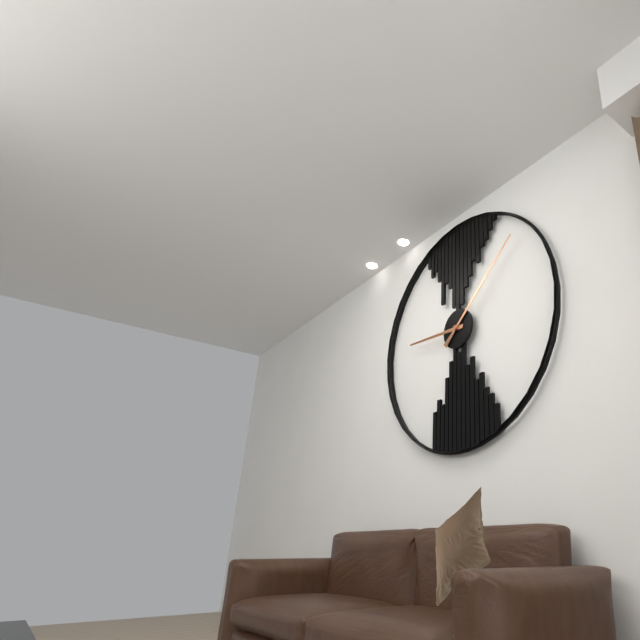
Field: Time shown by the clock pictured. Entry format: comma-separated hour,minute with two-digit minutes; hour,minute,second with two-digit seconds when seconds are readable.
9,08
